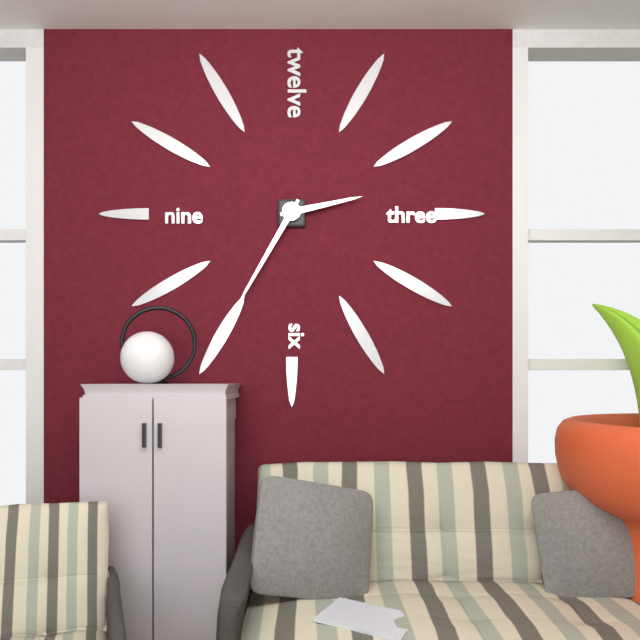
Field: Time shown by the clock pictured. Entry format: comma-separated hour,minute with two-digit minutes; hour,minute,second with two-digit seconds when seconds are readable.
2,35
